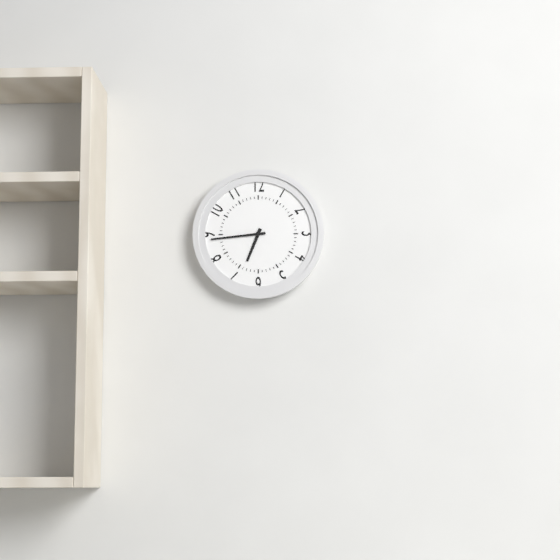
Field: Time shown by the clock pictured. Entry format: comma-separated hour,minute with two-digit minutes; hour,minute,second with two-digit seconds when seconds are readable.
6,44
